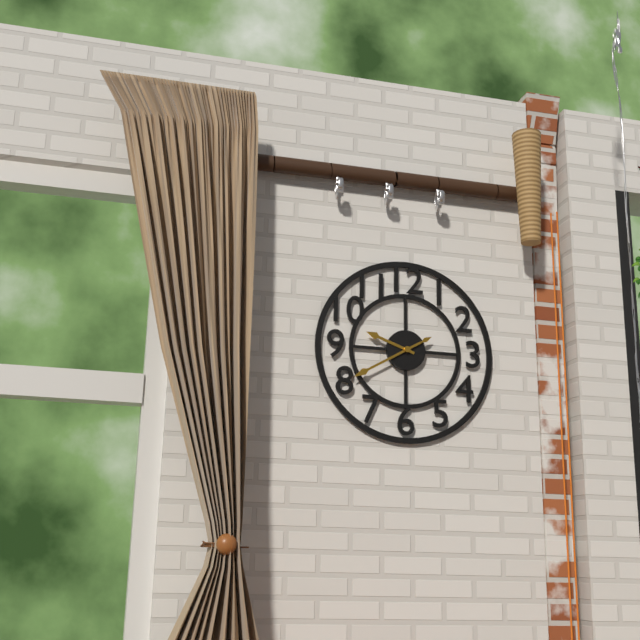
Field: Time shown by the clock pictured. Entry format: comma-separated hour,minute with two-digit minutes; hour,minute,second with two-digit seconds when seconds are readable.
9,40
